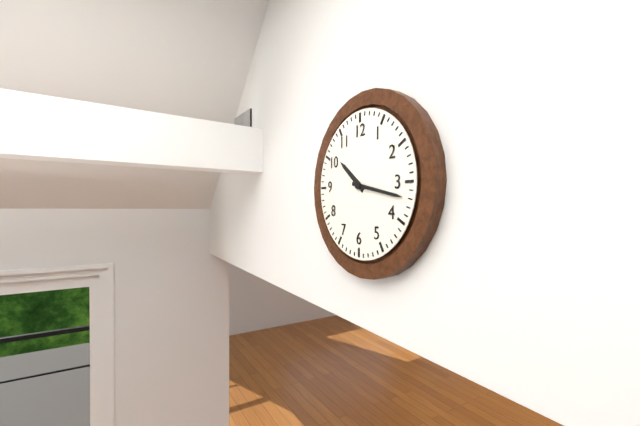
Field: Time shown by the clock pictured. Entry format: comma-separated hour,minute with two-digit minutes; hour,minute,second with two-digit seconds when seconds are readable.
10,17
